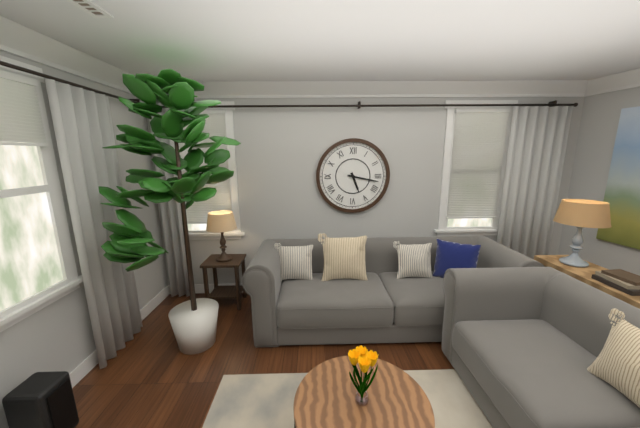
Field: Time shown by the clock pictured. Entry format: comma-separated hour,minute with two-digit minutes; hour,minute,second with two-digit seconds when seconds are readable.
5,17
